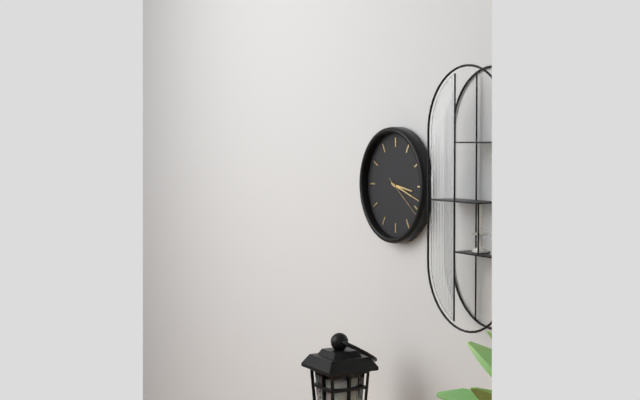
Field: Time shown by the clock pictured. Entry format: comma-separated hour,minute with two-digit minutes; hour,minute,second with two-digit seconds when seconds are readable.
3,18
